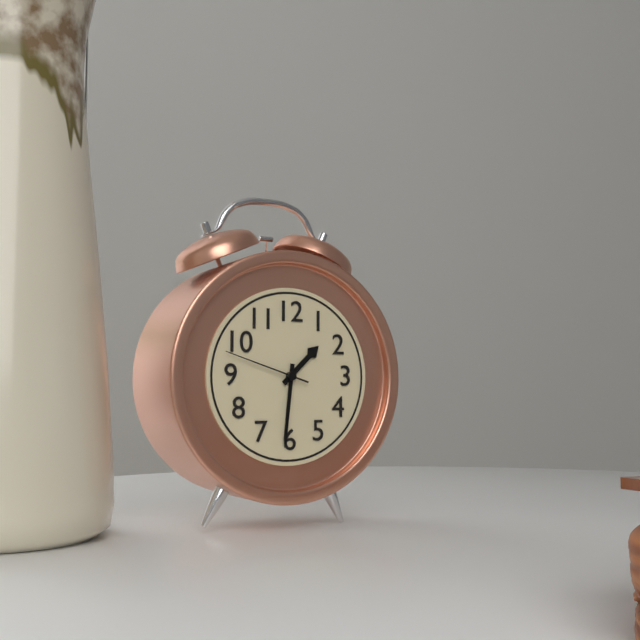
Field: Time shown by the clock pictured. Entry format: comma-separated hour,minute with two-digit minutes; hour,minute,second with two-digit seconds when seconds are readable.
1,31,48
